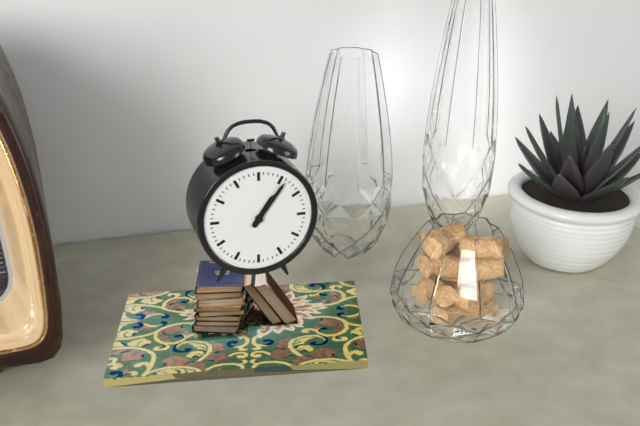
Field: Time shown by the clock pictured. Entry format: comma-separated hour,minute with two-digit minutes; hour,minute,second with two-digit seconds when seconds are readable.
1,06
